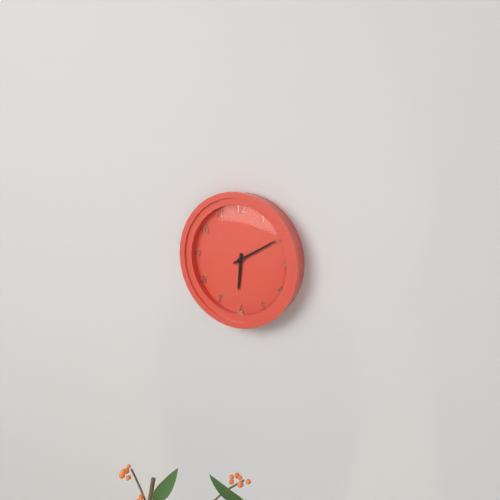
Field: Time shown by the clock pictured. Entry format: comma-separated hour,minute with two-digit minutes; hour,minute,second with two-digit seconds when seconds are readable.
6,10
